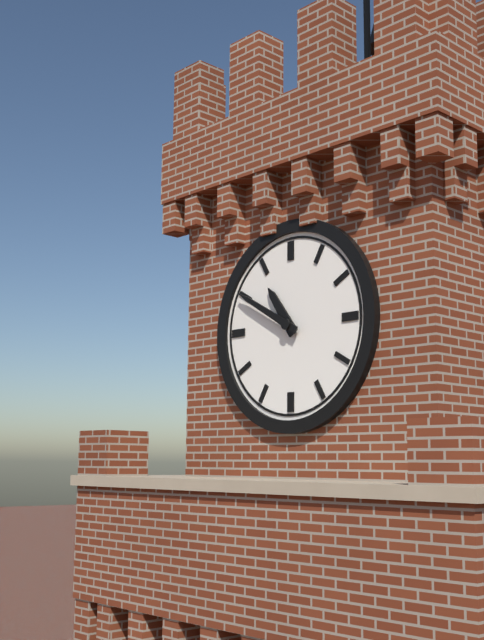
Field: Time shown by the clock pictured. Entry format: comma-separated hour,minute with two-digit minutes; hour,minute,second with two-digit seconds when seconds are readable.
10,50
